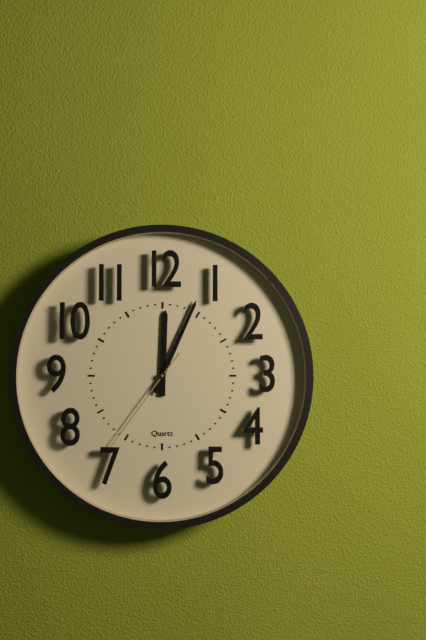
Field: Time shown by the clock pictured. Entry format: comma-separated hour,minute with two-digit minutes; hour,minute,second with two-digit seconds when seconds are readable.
12,04,36
